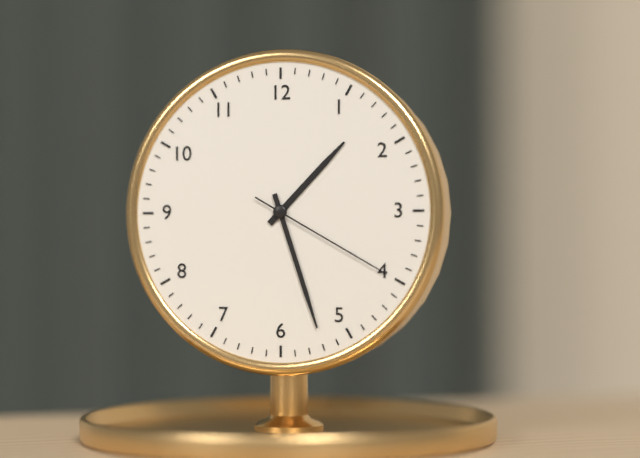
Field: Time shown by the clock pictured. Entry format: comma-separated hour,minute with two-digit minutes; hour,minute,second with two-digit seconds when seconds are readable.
1,27,20
